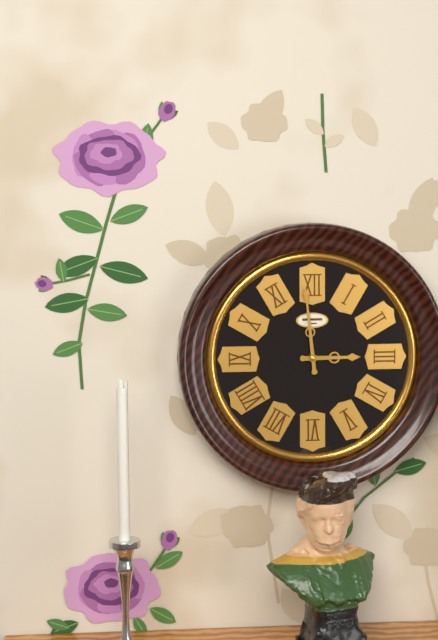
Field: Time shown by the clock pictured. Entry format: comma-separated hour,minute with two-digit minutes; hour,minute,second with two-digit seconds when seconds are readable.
2,59
